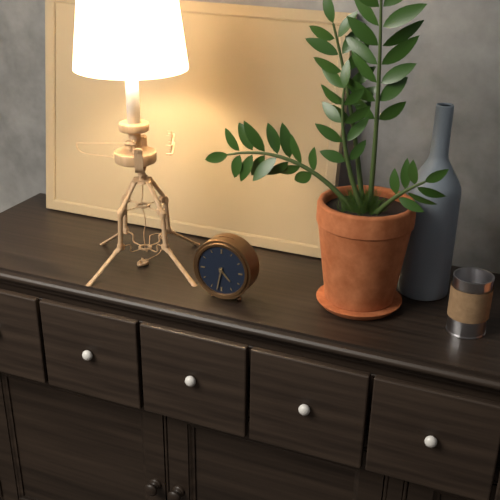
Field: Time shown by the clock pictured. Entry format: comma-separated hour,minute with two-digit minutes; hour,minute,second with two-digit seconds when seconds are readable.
4,32
